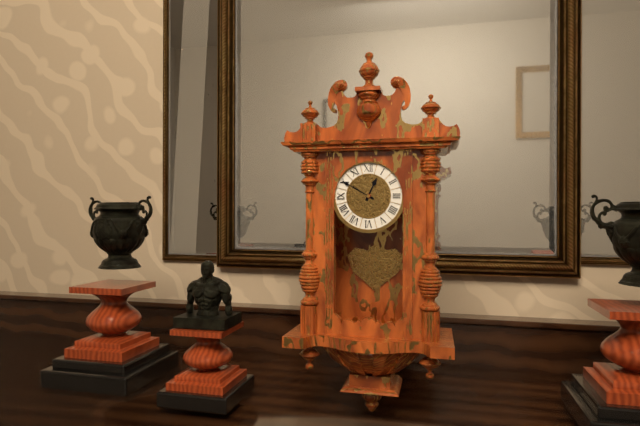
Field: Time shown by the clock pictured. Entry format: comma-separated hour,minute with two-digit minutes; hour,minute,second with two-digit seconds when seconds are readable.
12,50
